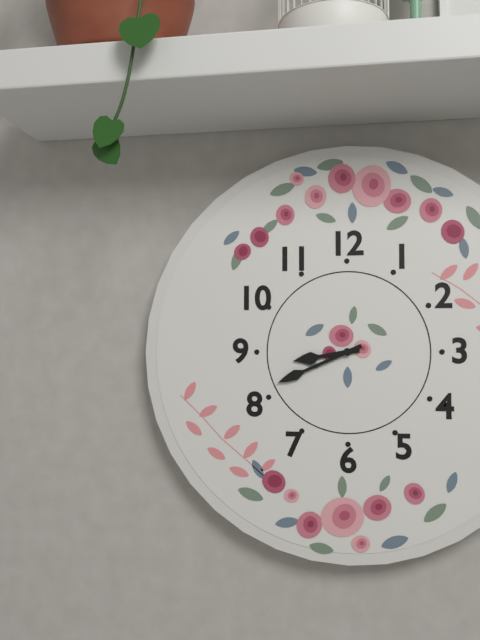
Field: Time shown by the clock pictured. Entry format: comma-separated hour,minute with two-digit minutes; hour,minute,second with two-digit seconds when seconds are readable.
8,41
